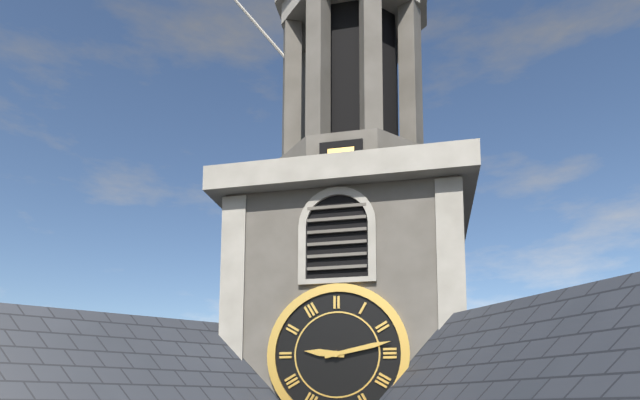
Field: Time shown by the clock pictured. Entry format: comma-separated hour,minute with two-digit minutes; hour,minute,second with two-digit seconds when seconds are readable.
9,13
